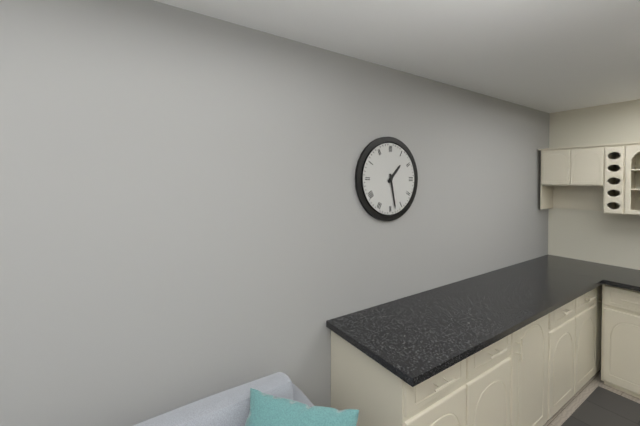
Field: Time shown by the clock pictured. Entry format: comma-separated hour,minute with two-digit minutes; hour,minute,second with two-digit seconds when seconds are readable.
1,28
